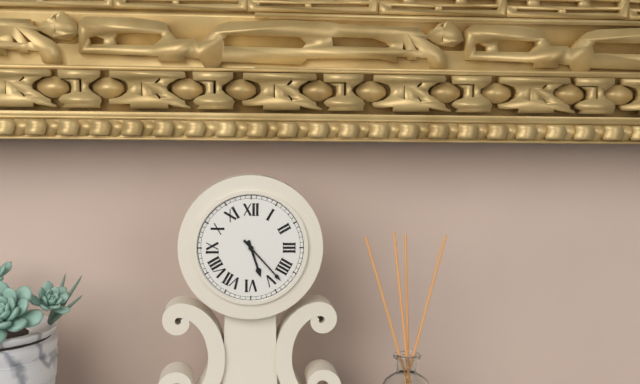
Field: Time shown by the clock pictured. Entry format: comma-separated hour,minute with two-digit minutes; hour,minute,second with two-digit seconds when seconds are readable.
5,23
